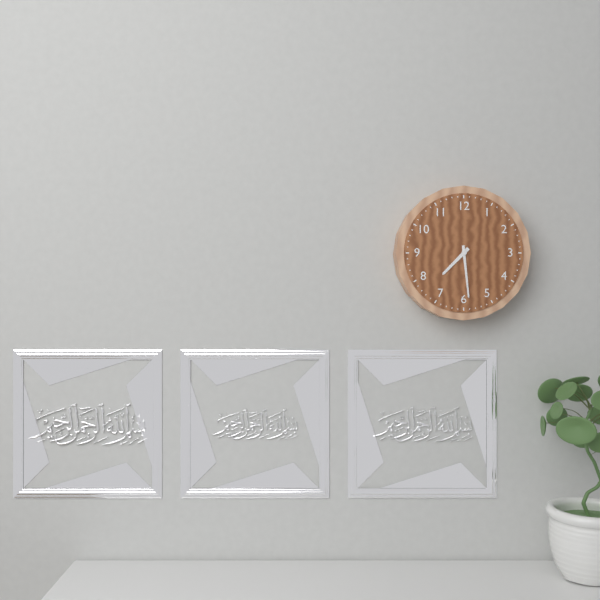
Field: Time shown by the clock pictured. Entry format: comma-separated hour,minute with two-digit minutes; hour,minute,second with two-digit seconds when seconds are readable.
7,29
